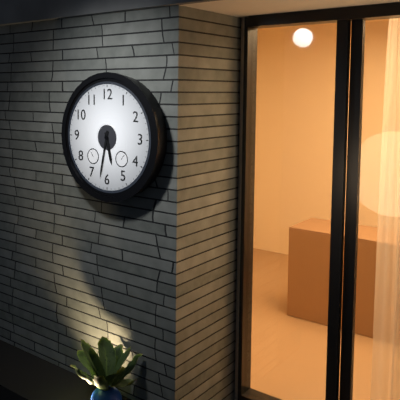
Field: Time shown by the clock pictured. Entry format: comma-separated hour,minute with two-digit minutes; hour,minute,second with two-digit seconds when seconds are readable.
5,32
